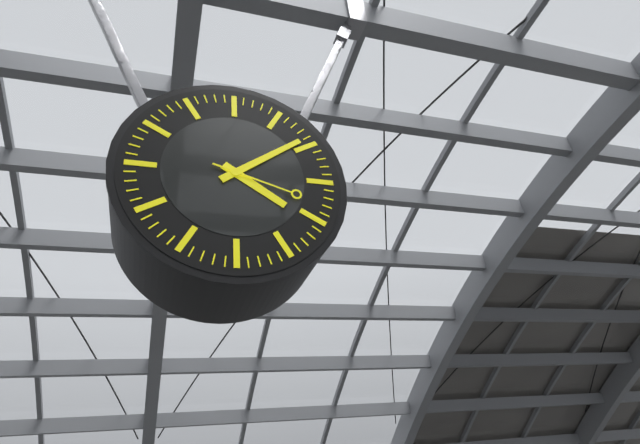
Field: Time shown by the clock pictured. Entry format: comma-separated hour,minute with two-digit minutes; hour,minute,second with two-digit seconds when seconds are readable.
4,09,18
